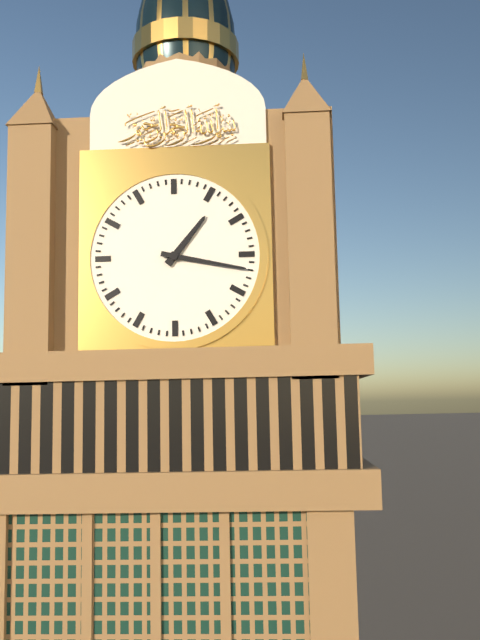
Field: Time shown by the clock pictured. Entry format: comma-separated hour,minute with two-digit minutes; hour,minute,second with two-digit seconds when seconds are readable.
1,17
